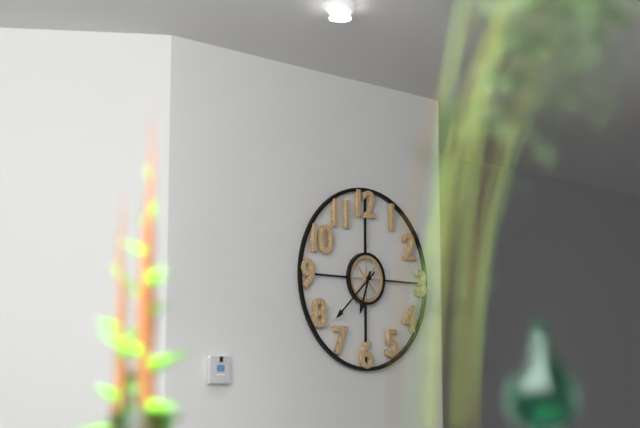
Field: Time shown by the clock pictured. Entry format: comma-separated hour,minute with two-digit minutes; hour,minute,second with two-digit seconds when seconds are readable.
6,38
